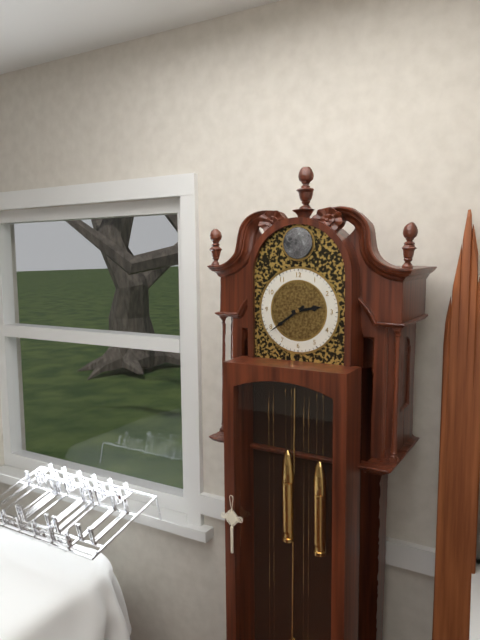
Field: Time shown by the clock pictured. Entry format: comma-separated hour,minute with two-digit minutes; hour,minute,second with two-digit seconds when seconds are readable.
2,39
